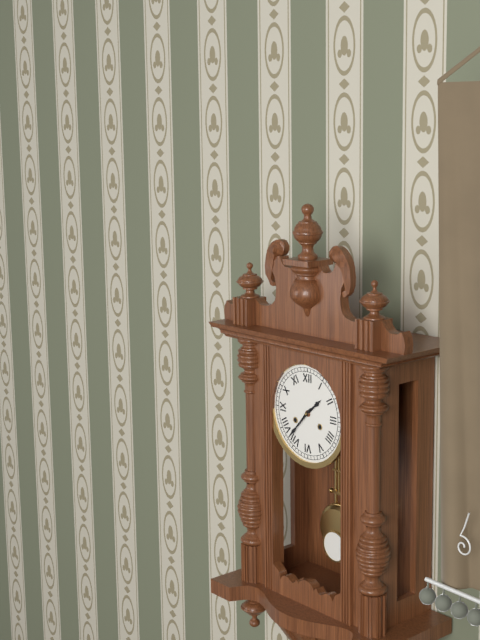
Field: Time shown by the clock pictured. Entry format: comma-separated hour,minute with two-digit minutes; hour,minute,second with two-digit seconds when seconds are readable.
1,37
